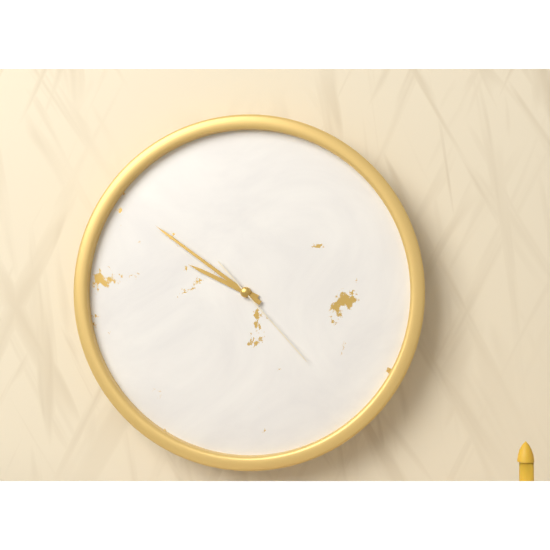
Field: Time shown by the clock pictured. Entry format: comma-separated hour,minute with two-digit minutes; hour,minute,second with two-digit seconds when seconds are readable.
9,51,23
